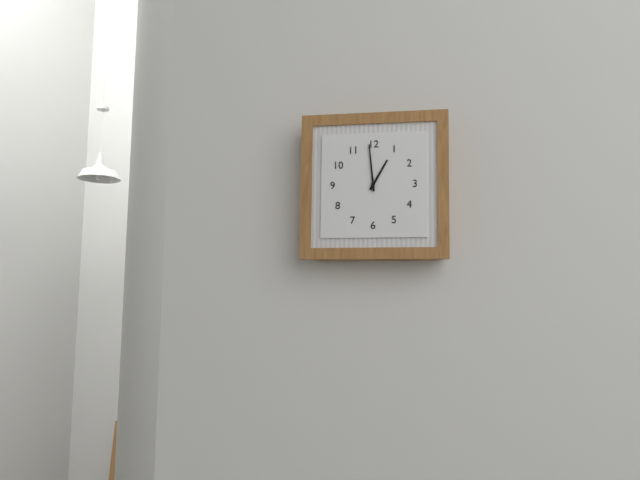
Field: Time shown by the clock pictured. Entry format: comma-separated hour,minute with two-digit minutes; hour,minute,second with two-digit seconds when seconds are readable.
12,59
